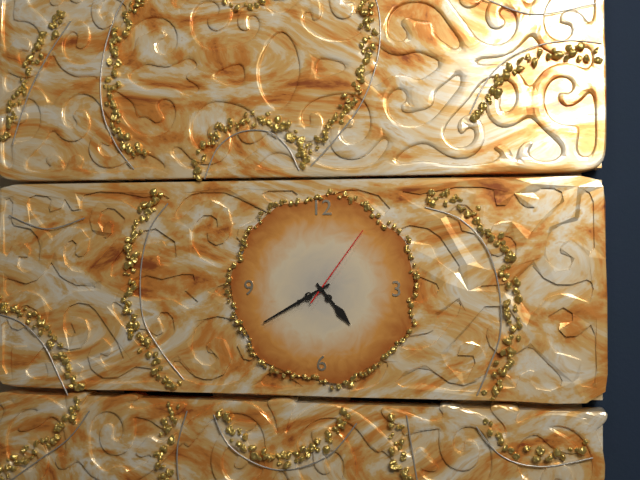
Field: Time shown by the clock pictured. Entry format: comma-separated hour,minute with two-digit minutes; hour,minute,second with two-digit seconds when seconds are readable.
4,40,06
